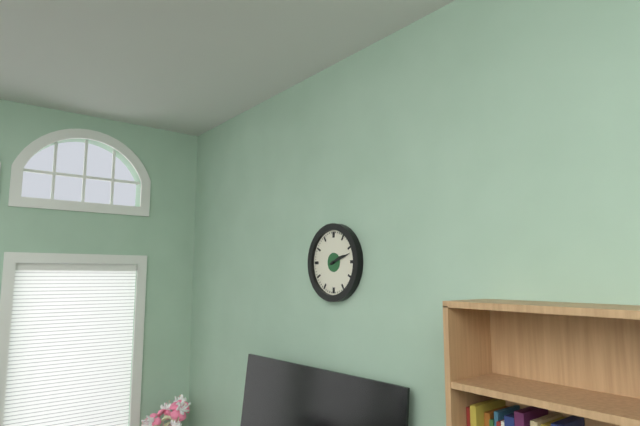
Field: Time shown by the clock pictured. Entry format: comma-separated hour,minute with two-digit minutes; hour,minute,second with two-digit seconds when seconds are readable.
2,12
